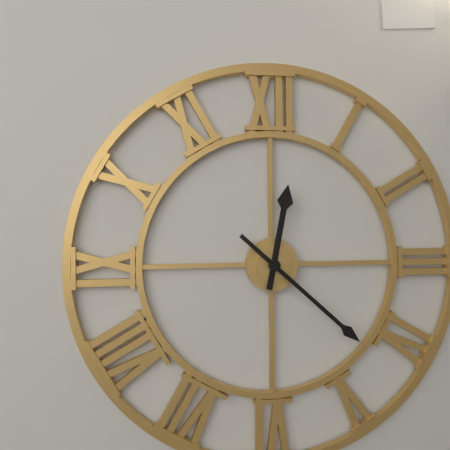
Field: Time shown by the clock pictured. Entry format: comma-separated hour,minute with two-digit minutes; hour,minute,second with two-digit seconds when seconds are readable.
12,22
